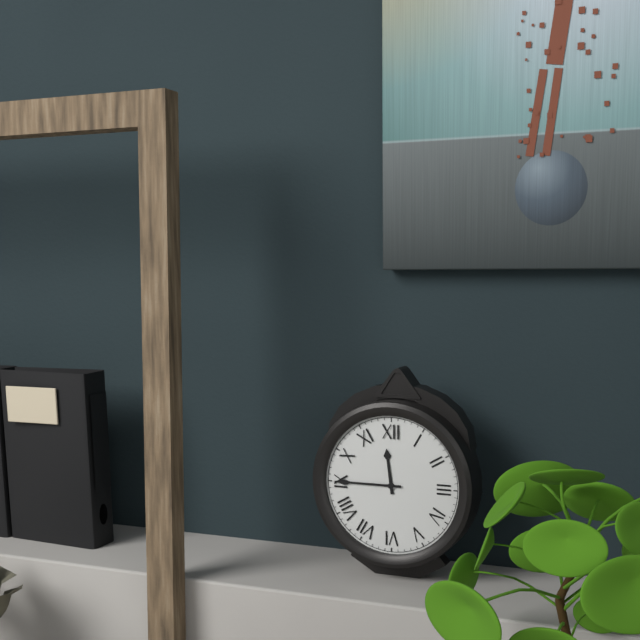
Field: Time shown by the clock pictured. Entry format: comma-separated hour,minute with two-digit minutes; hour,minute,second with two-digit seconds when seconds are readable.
11,45
